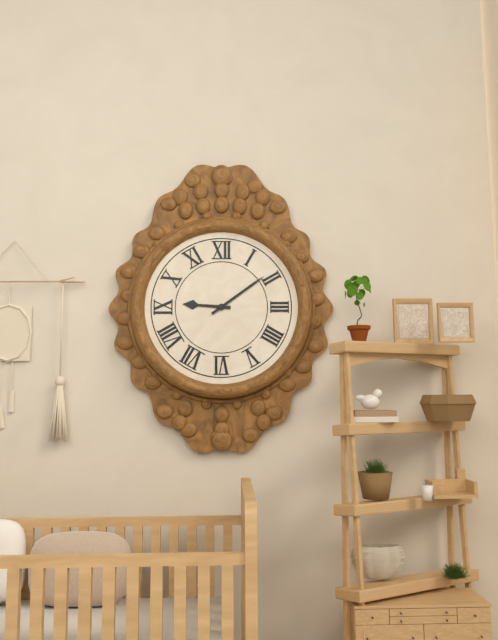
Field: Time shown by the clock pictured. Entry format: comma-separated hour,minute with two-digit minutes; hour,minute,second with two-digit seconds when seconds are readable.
9,09
